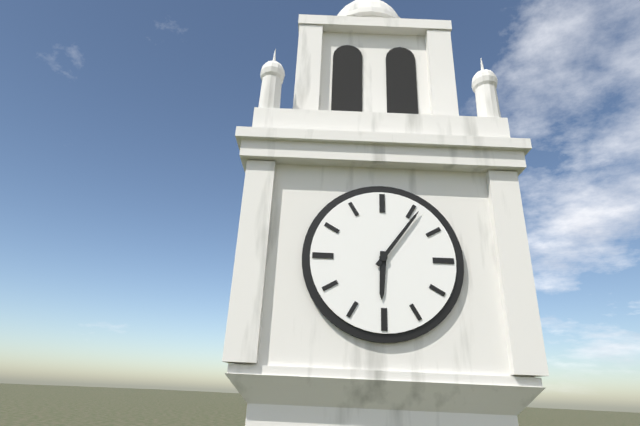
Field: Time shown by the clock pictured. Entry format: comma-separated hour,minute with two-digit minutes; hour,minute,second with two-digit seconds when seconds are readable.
6,06
